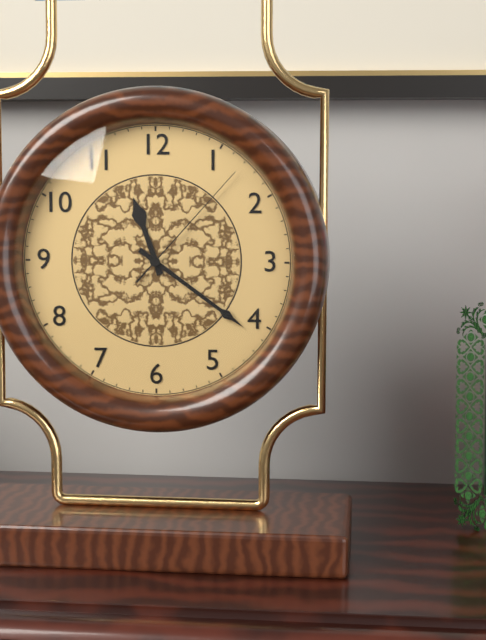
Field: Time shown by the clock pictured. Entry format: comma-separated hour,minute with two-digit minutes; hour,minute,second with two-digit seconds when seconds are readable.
11,21,07
